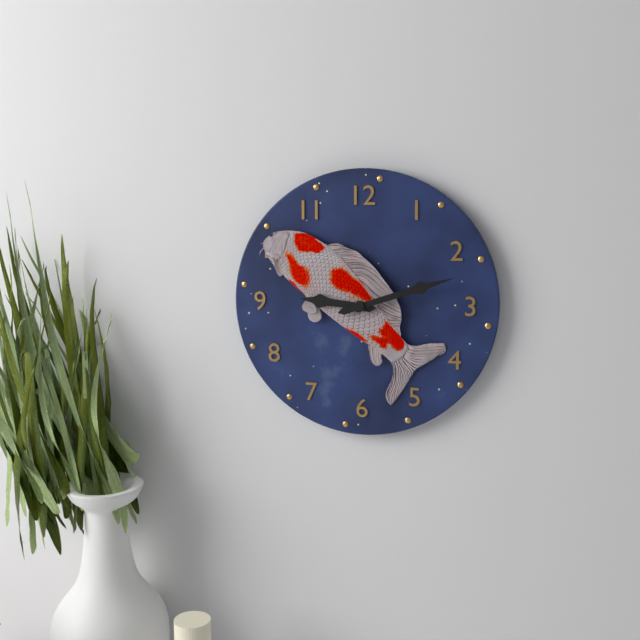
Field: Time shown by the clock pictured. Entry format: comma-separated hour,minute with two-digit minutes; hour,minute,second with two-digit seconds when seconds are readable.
9,12
